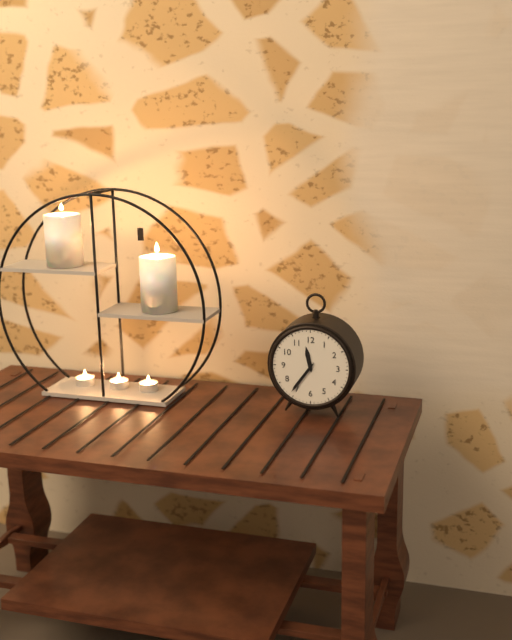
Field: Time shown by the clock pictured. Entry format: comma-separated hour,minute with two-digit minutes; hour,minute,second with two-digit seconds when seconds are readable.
11,36
